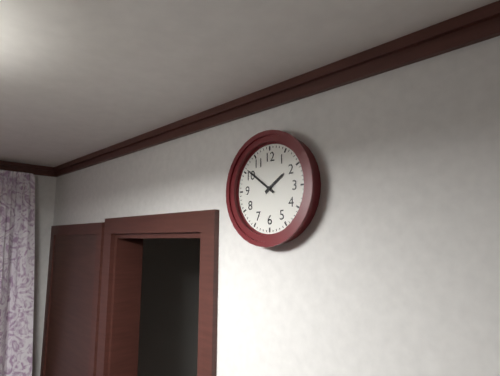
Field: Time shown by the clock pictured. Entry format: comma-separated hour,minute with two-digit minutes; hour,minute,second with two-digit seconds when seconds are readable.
1,51
